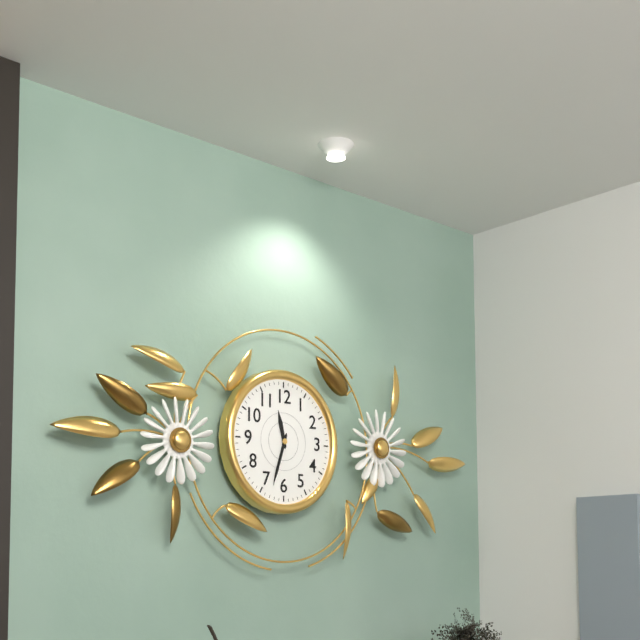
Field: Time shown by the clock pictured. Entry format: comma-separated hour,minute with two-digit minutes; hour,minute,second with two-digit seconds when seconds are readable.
11,33
